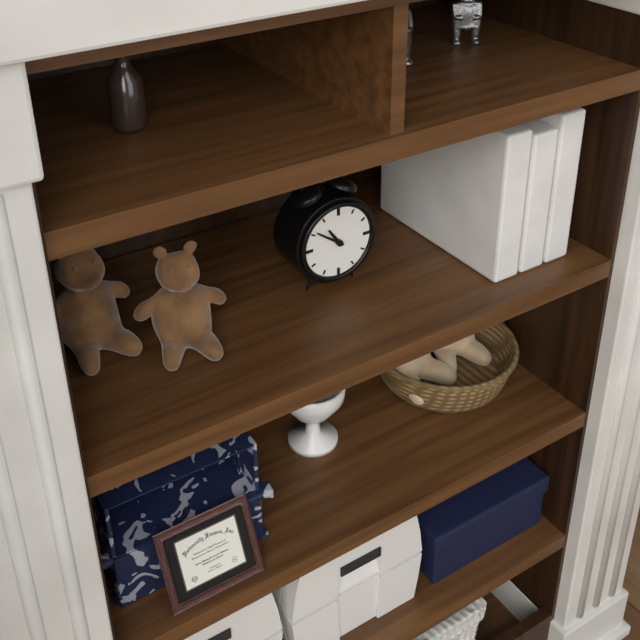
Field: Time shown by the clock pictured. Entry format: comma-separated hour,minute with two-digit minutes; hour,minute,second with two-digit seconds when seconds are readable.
10,51
